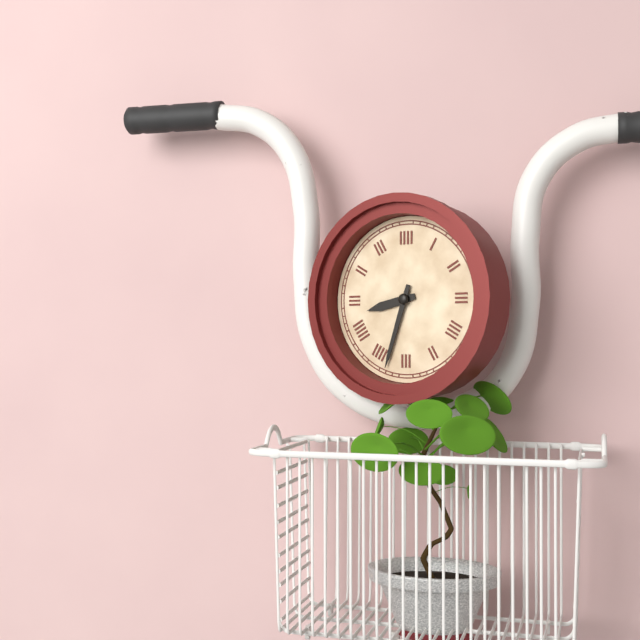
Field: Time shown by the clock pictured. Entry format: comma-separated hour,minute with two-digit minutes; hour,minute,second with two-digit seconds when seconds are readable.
8,33
